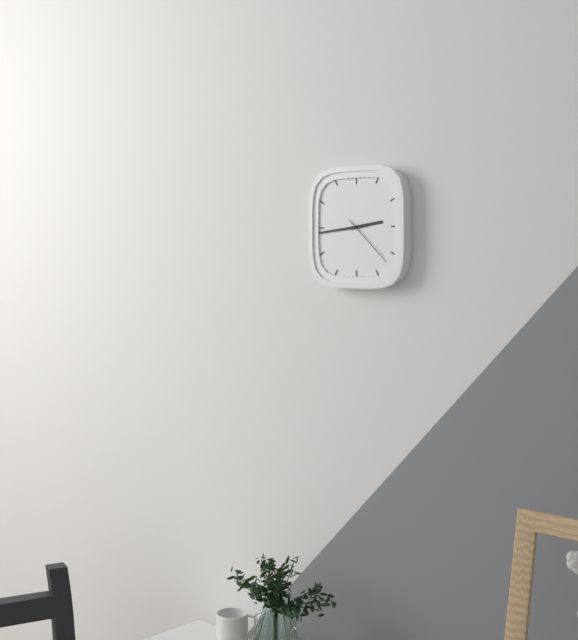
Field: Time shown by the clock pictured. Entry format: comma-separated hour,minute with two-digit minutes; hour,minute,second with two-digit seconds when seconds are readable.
2,44,22
